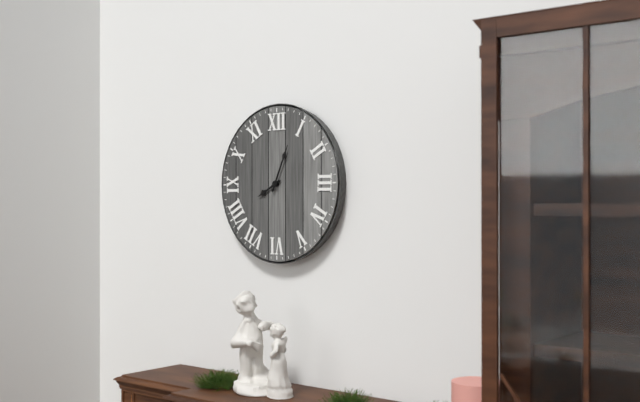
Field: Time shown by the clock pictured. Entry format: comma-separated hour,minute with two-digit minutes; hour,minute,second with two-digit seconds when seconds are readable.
8,04
